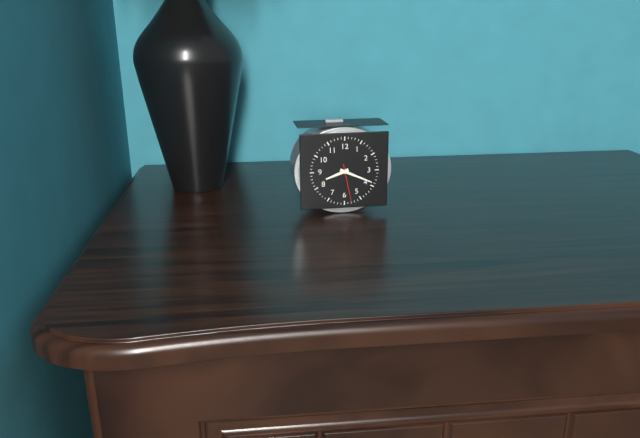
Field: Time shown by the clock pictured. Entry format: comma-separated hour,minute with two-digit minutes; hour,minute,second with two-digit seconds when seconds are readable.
8,19
